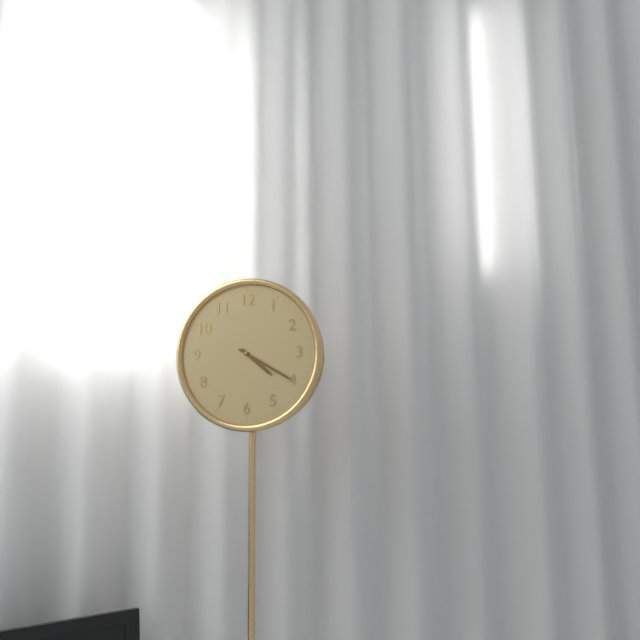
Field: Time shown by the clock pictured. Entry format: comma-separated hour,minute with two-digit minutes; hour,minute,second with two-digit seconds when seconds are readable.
4,20
